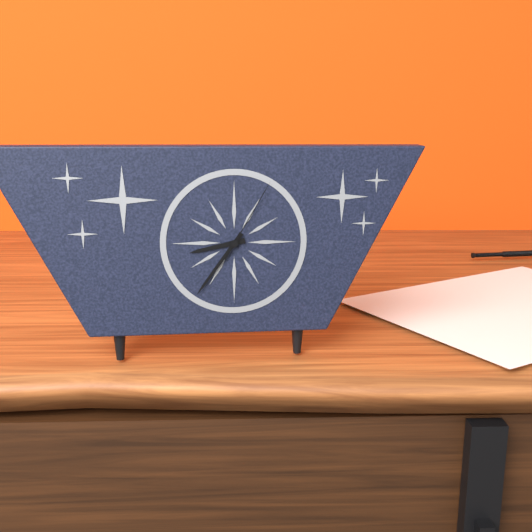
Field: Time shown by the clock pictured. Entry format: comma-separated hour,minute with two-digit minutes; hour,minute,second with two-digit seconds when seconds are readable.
8,36,05
